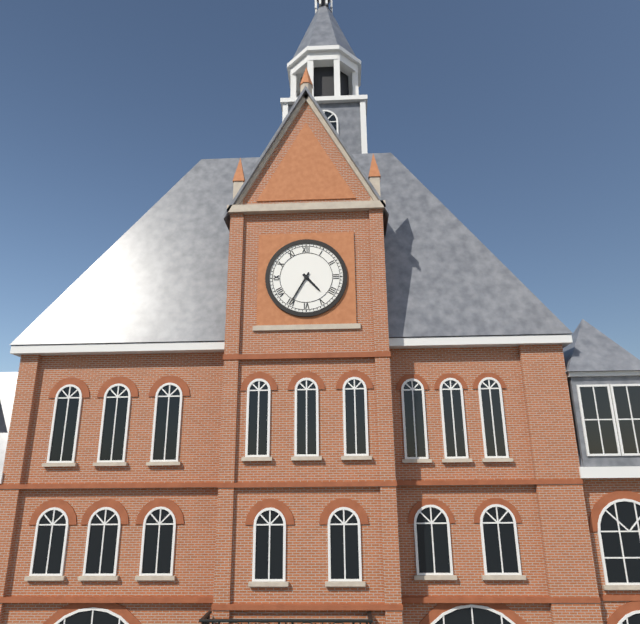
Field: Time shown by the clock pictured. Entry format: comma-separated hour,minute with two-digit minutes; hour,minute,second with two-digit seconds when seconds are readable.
4,35
